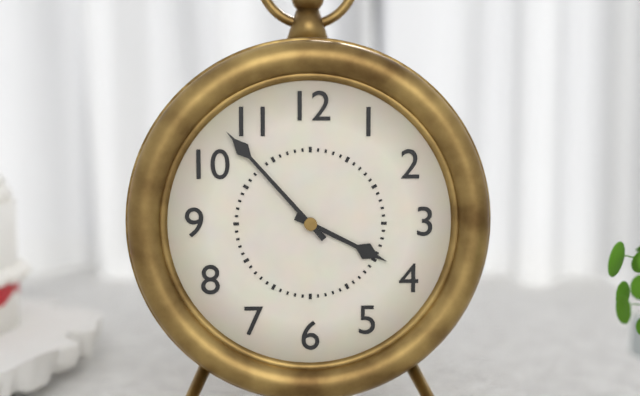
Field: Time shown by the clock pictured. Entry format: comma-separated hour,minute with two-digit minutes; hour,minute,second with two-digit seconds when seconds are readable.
3,53
